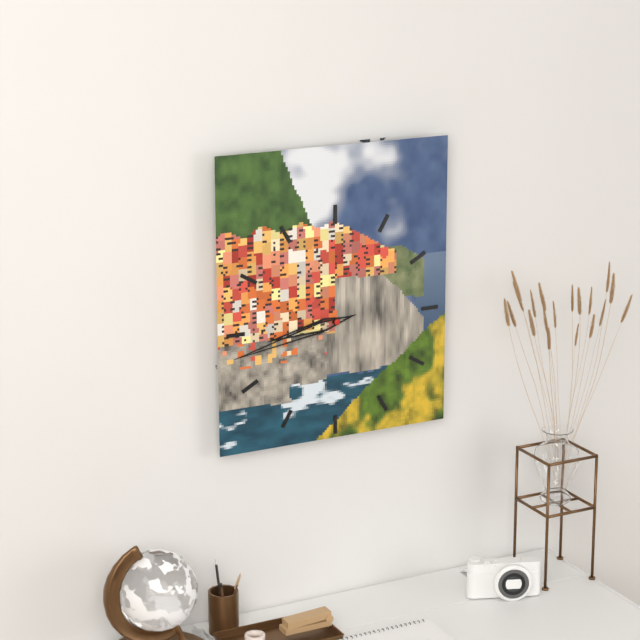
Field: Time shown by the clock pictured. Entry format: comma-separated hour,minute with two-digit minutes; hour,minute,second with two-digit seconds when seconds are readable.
8,43
